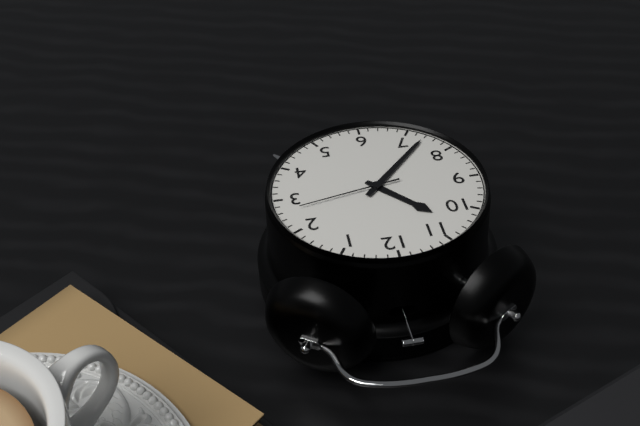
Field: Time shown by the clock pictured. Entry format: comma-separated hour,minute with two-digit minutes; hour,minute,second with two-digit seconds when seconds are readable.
10,37,13
